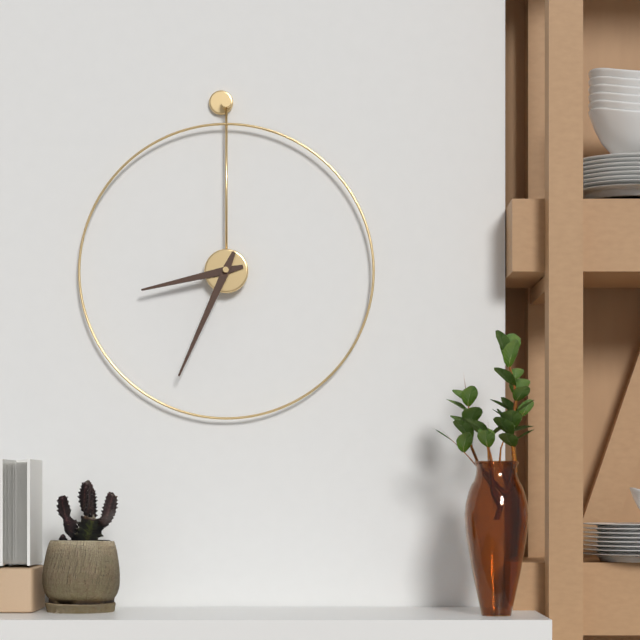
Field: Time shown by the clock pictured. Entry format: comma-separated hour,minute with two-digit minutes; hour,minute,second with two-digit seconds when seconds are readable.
8,34
